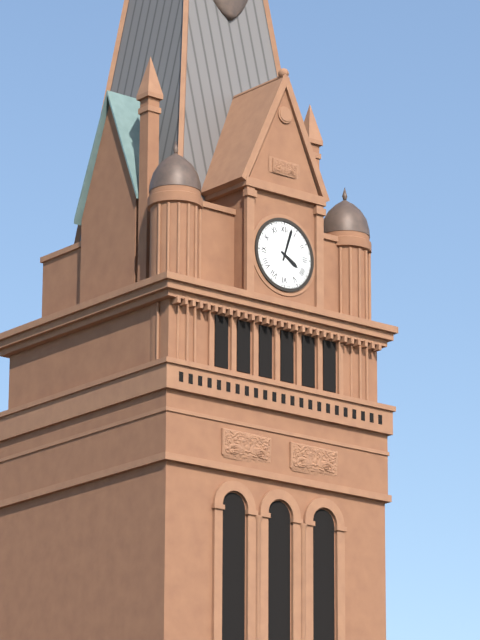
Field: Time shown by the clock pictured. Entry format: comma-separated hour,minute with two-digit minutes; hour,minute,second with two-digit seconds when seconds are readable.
4,03
